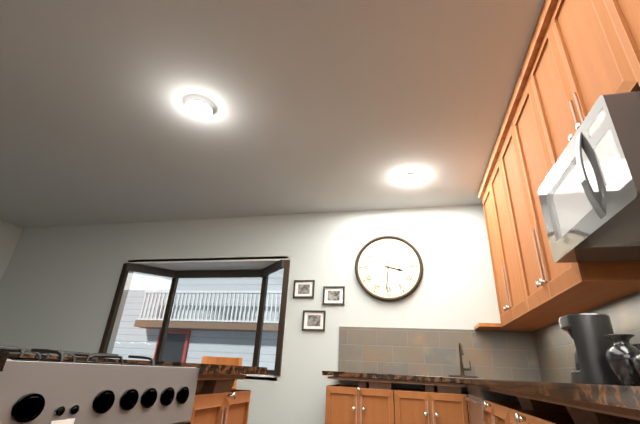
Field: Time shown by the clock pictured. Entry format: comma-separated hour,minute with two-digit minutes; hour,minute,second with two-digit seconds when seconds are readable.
3,31
